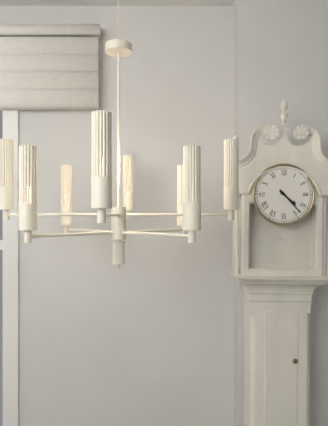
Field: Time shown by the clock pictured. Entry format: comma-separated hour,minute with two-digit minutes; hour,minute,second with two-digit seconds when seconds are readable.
4,23
